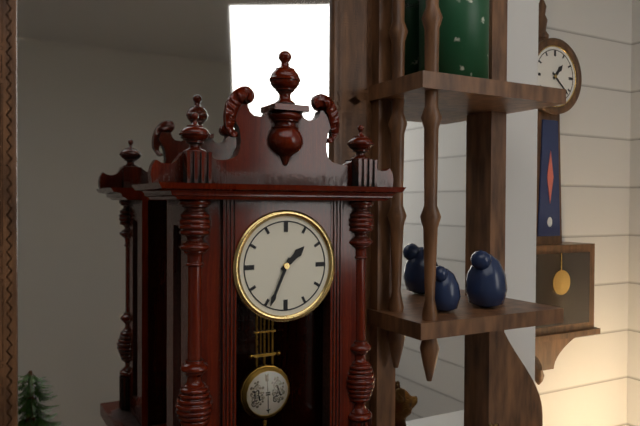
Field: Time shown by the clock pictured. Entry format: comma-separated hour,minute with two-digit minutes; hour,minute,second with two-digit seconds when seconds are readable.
1,34
